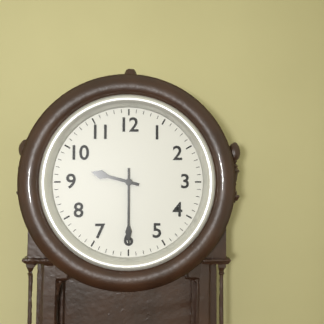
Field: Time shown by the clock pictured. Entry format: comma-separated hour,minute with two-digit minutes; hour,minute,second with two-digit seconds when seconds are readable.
9,30
